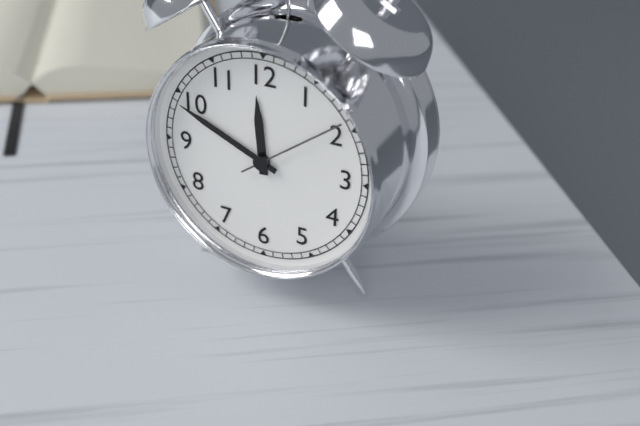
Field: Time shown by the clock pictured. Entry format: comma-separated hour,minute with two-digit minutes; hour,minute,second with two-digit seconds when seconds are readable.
11,49,09
